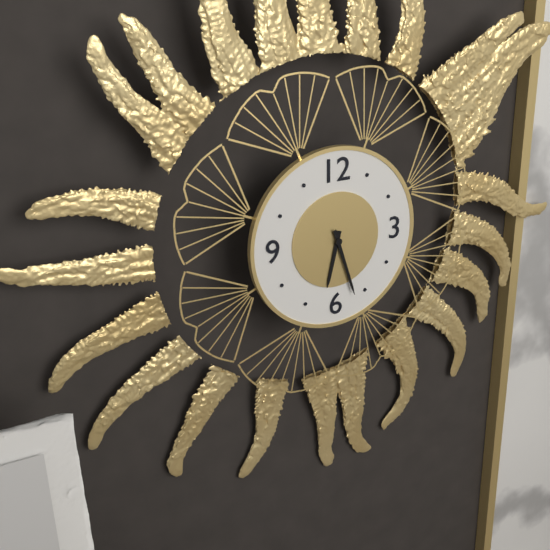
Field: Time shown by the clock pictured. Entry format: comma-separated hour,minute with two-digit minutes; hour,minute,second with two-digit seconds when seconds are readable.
6,27
